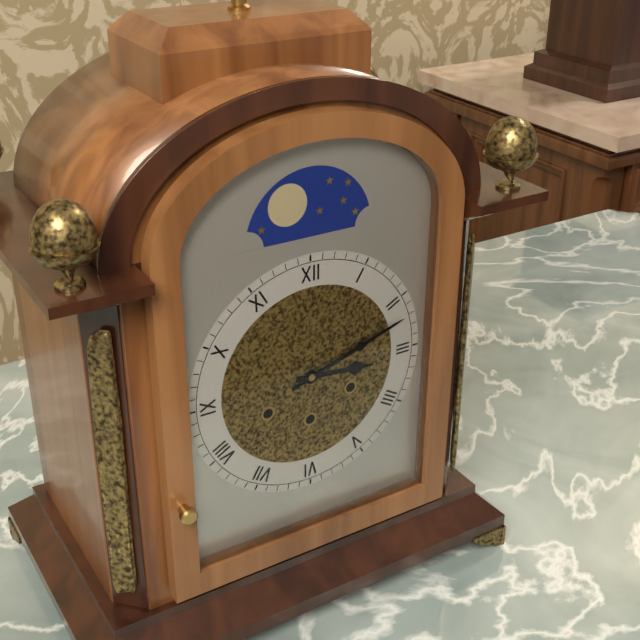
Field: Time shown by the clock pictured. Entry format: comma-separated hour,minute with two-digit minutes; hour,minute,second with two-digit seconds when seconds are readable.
3,12
